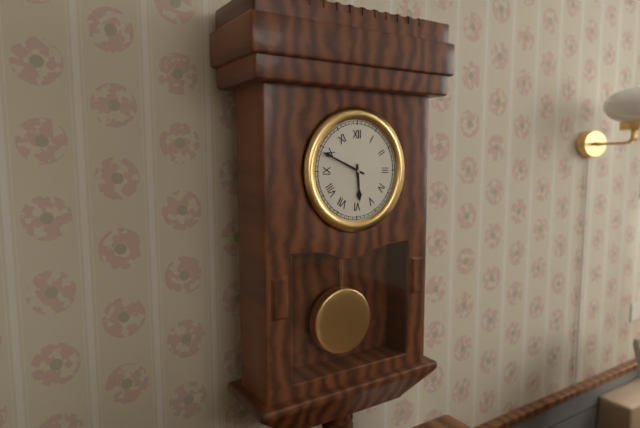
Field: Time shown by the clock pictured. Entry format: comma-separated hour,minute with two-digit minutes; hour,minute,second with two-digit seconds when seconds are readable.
5,49
